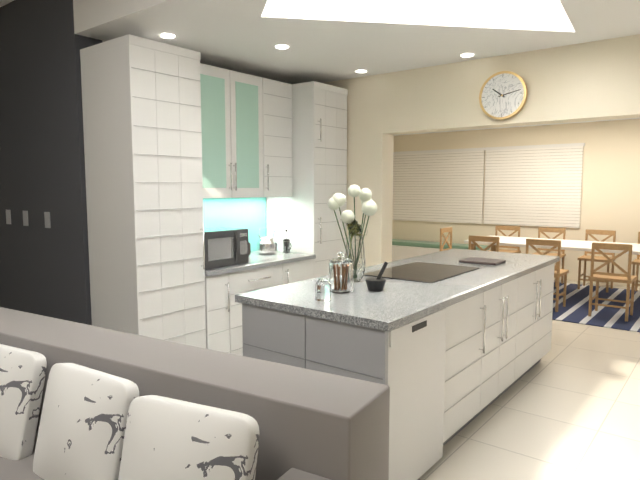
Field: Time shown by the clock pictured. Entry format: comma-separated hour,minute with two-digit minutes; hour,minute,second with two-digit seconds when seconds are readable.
10,13
